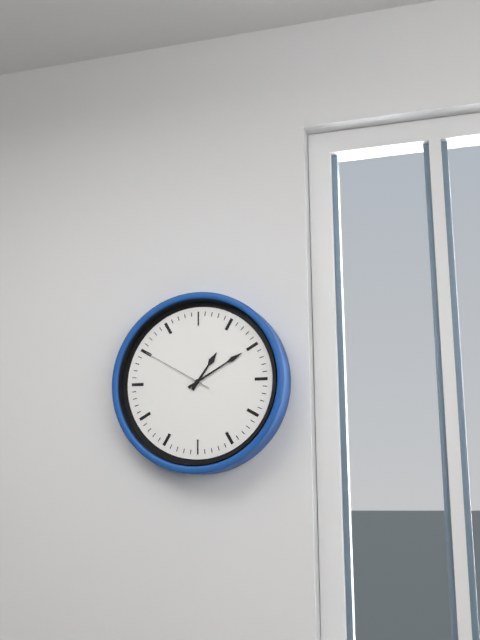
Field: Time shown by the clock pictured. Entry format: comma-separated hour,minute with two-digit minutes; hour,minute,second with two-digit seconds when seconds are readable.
1,10,50
